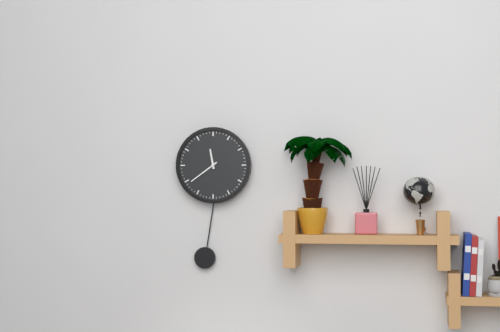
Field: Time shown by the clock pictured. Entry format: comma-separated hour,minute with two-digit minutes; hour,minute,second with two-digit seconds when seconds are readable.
11,39
